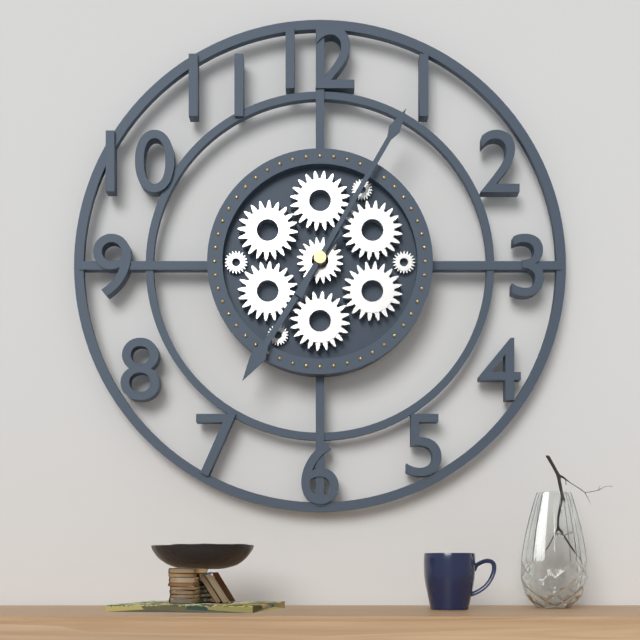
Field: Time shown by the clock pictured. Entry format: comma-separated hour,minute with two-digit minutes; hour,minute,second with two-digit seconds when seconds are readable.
7,05
